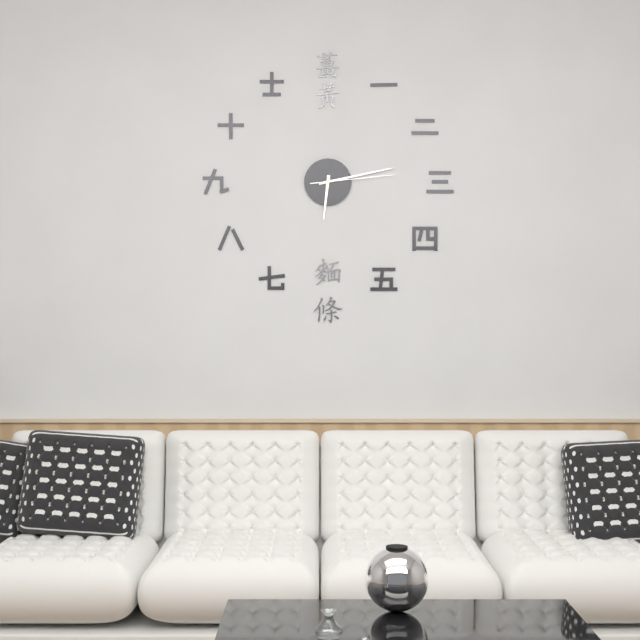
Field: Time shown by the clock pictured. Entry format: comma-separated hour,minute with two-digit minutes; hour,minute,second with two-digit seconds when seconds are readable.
6,13,14
